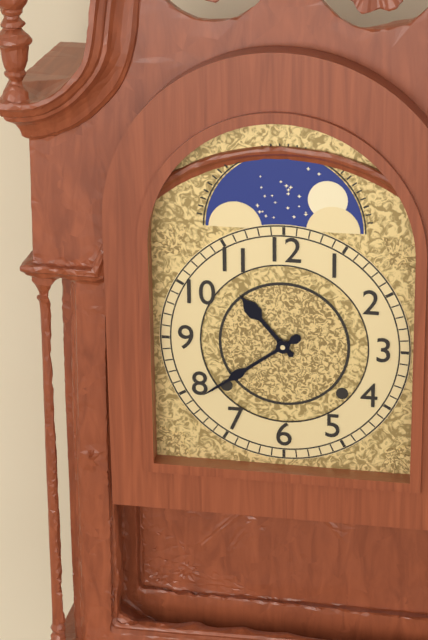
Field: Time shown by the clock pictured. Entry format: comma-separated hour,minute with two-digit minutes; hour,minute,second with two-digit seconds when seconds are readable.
10,39
